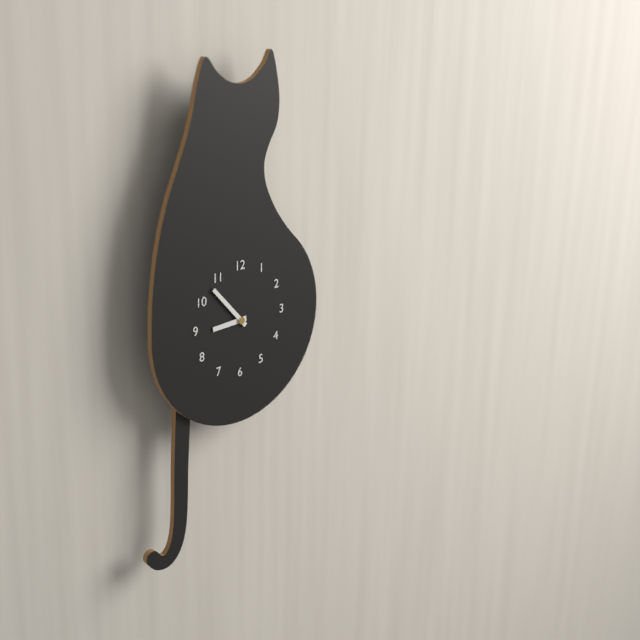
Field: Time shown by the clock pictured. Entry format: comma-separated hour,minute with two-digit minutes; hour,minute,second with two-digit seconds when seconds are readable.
8,53
